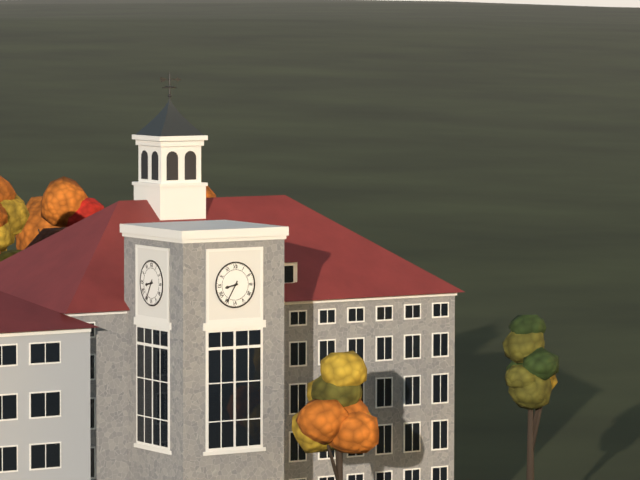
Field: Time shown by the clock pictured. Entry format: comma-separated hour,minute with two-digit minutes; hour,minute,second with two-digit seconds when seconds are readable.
8,35
